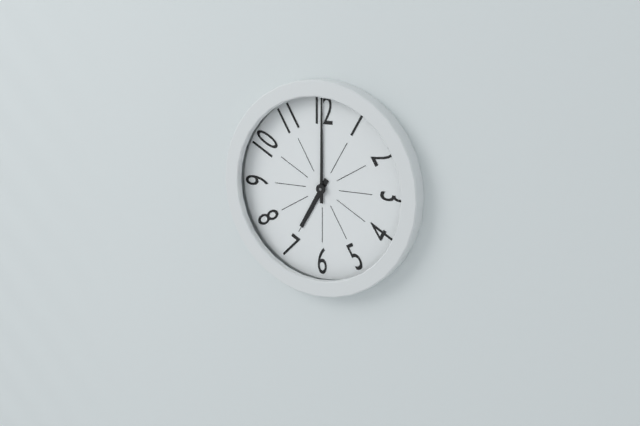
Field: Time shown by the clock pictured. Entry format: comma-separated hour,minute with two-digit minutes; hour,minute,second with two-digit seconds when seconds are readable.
7,00
